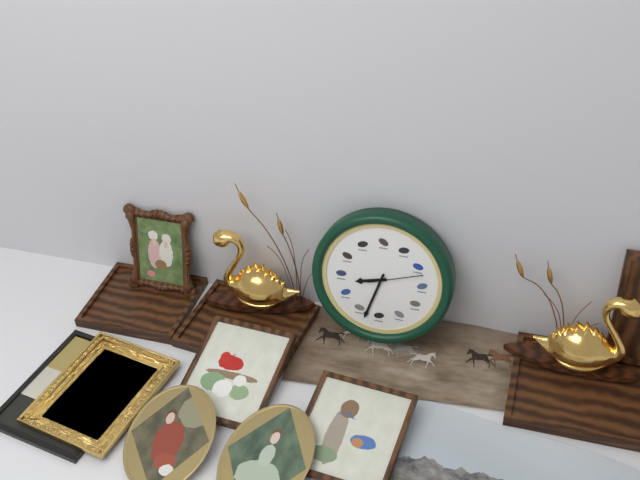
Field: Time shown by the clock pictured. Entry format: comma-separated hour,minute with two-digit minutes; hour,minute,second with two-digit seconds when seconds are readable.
8,33,12
